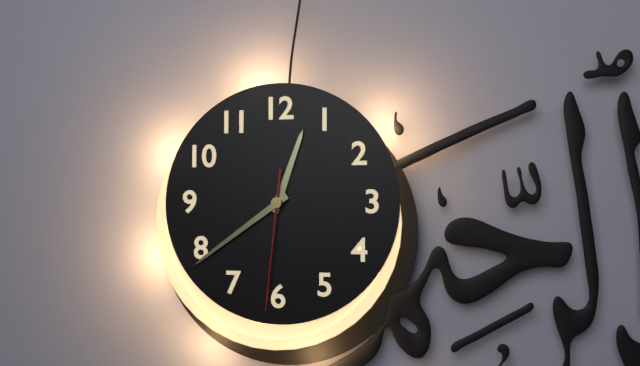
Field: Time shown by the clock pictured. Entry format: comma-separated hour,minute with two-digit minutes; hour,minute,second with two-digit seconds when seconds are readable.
12,39,31
